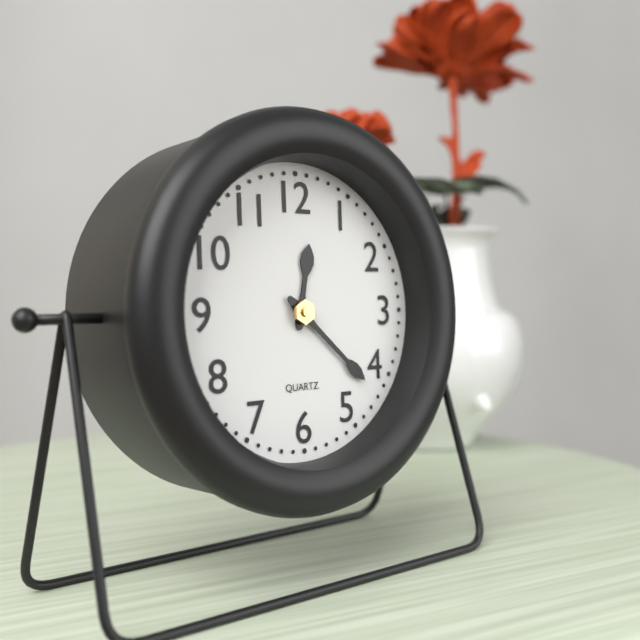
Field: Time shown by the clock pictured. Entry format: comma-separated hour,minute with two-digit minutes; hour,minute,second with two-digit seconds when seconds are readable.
12,22
